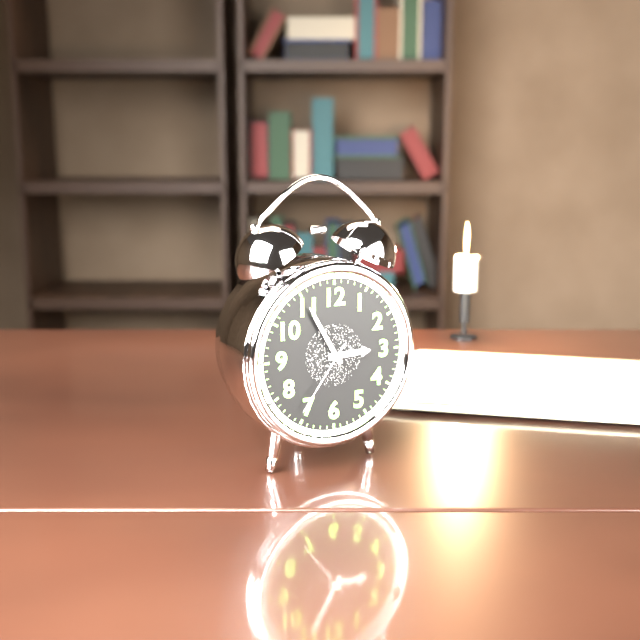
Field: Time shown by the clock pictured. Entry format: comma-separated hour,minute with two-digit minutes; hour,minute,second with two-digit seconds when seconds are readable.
2,55,36
